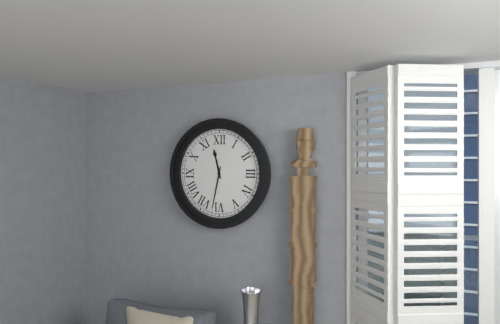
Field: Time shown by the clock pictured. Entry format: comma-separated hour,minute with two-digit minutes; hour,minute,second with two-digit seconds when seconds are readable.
11,32
